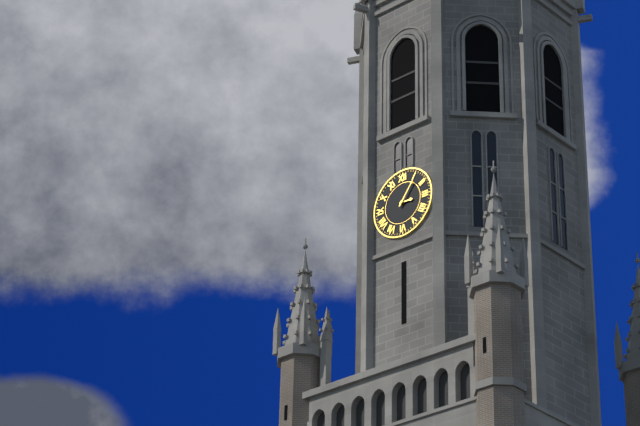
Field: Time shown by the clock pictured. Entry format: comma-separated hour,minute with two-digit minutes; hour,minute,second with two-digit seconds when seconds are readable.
3,06
